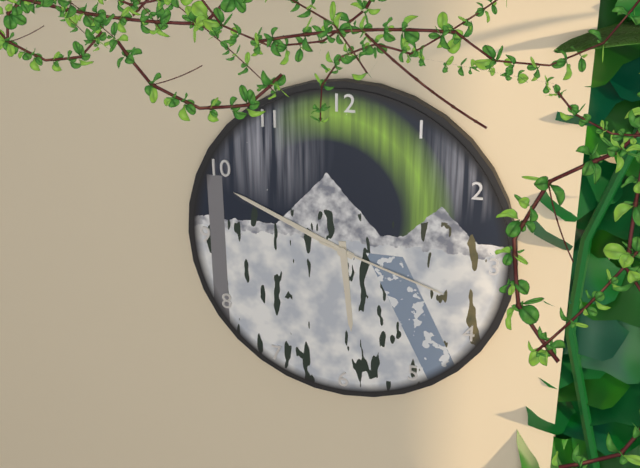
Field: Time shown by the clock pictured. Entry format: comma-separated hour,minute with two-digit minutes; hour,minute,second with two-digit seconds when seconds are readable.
5,49,18
